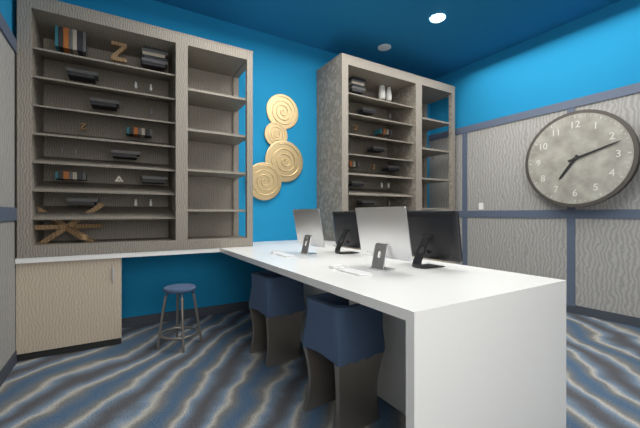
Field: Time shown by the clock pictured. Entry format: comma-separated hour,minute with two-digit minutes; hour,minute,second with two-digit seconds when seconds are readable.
7,12
